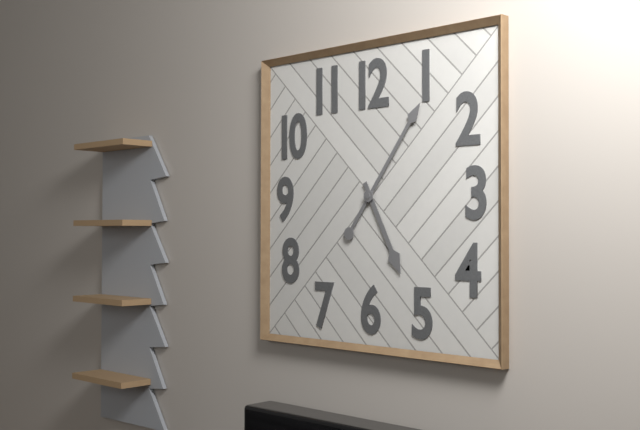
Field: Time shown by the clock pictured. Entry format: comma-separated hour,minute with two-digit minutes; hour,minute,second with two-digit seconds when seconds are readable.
5,06
